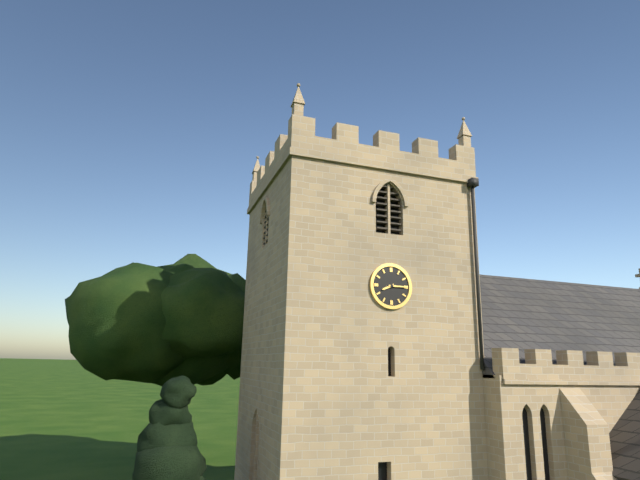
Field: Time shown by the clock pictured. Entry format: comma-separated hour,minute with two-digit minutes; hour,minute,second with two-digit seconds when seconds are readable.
8,15
